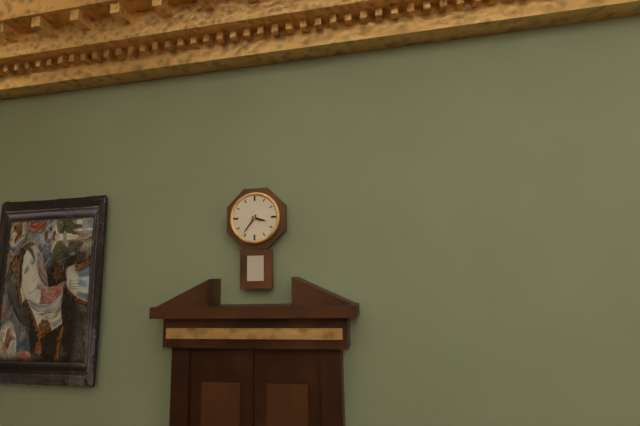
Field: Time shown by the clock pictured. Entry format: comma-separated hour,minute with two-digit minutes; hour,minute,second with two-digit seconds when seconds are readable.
3,36
